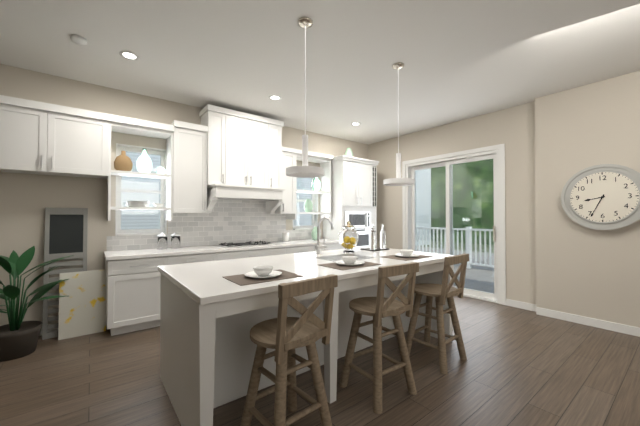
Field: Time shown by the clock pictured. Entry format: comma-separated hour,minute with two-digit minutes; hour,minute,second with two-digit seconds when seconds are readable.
8,34
